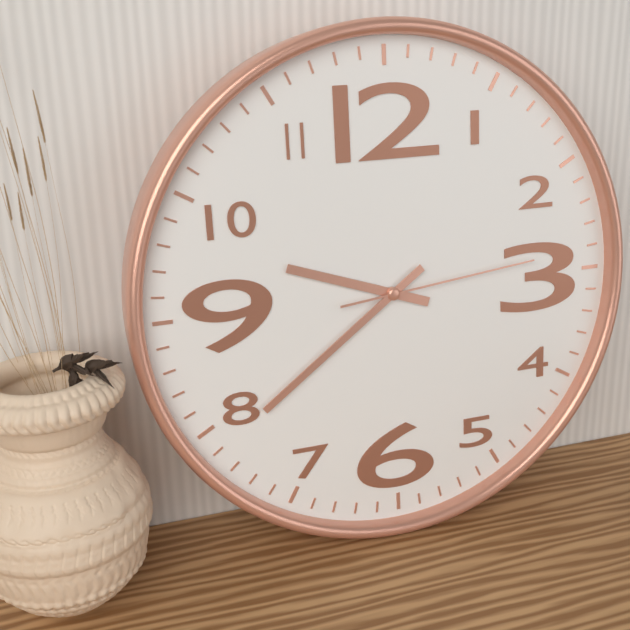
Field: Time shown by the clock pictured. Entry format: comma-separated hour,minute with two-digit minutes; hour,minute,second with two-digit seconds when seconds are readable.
9,39,14
